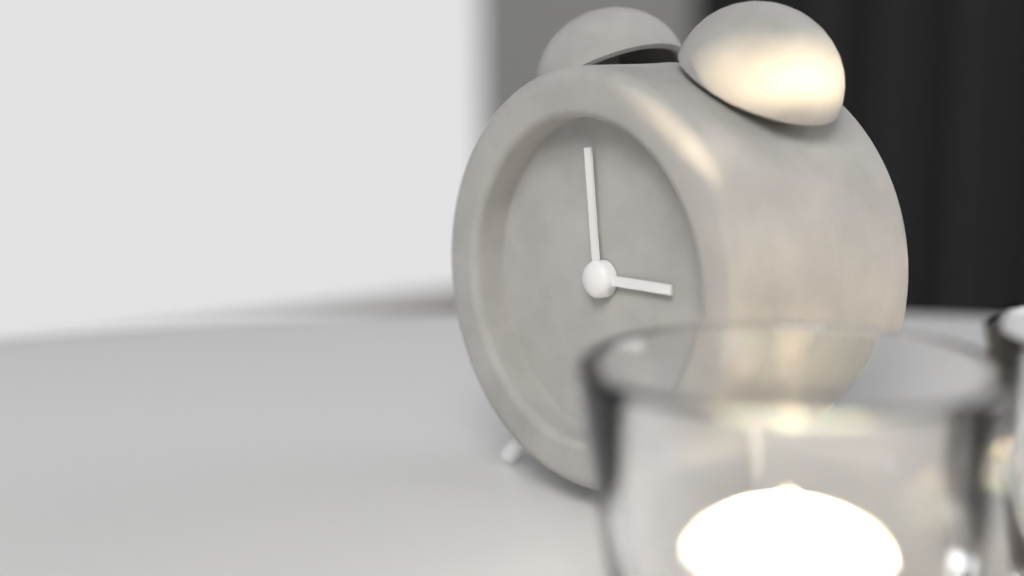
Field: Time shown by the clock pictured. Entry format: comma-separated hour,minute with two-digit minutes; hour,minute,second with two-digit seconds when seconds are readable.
2,59
